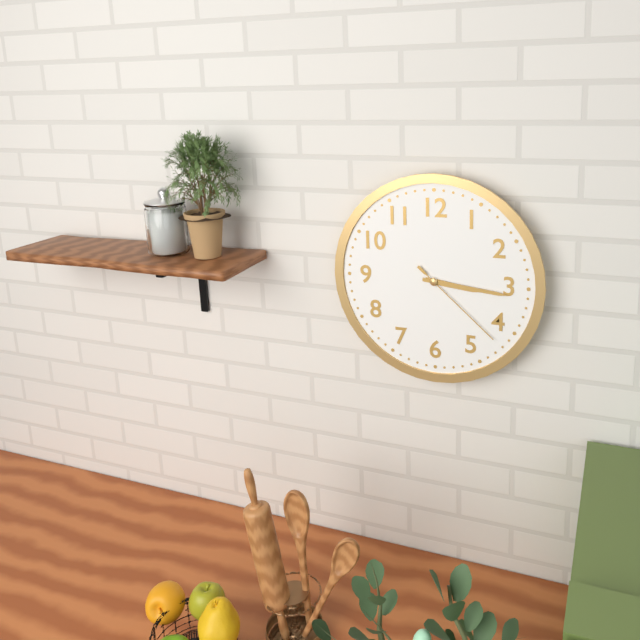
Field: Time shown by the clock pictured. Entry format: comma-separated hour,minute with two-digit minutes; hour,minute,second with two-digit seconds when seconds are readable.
3,16,22
